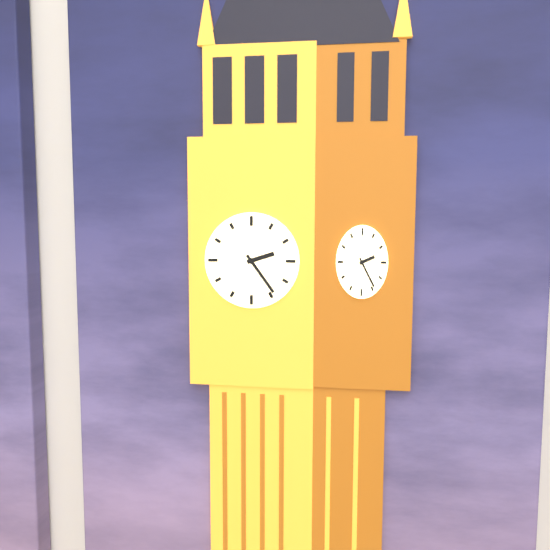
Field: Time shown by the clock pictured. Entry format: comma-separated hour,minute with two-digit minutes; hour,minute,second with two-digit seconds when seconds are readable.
2,24
